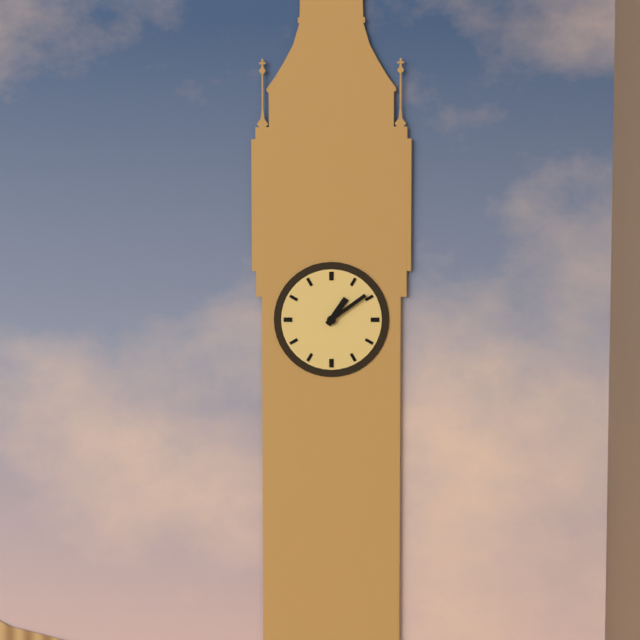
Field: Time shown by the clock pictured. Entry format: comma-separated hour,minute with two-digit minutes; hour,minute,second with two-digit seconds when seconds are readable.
1,09
